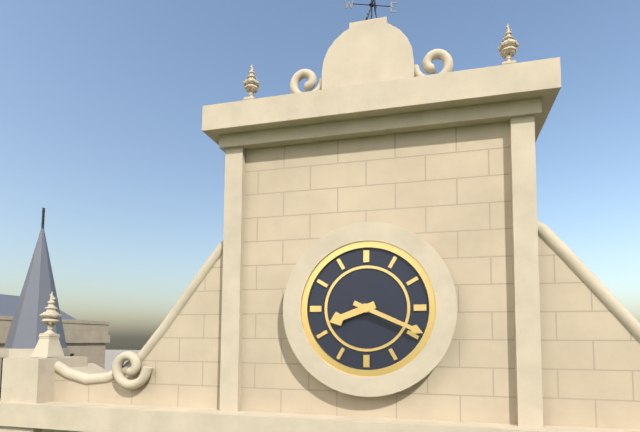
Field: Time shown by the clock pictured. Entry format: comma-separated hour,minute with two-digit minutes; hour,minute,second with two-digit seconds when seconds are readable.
8,19
